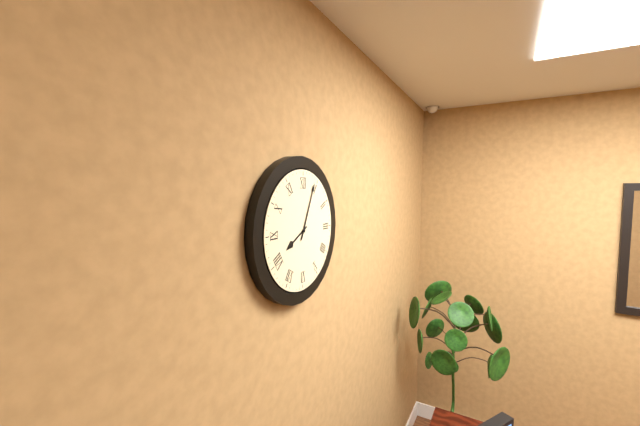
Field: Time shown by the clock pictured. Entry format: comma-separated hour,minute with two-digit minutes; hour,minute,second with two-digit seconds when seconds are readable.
8,04
